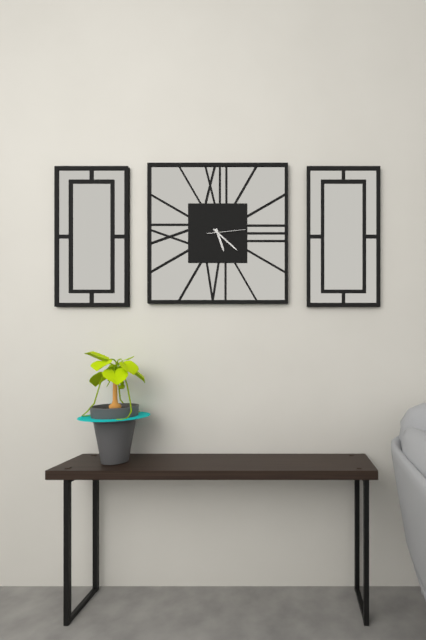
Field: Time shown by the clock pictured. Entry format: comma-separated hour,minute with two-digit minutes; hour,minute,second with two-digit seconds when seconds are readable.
5,22
